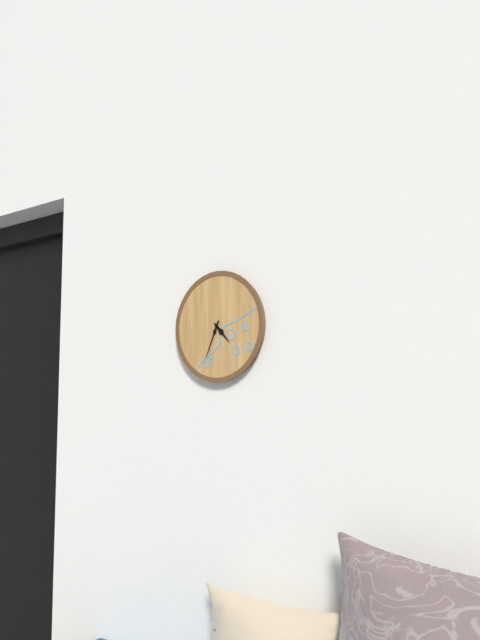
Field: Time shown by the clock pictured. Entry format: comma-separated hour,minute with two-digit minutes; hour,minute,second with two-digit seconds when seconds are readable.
4,34
